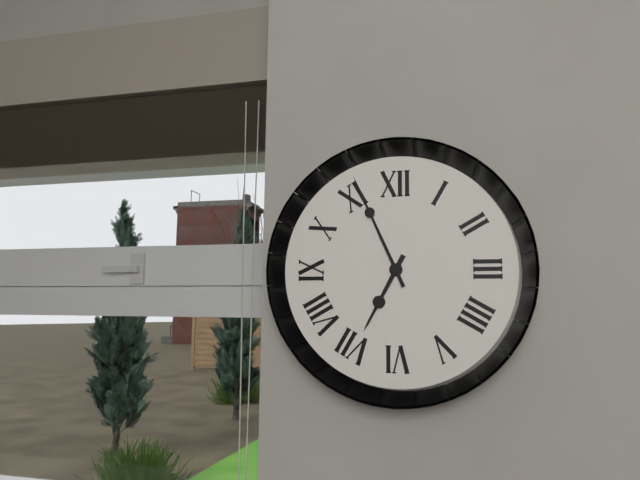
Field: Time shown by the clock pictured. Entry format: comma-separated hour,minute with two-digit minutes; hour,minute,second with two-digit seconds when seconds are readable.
6,56
